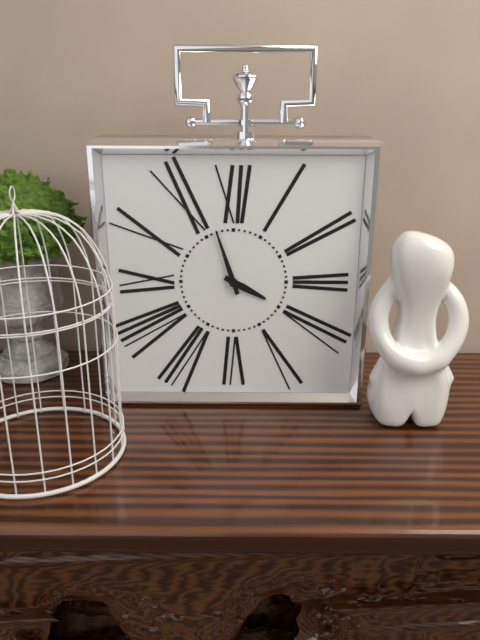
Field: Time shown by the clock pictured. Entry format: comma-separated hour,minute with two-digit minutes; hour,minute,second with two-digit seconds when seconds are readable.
3,57
